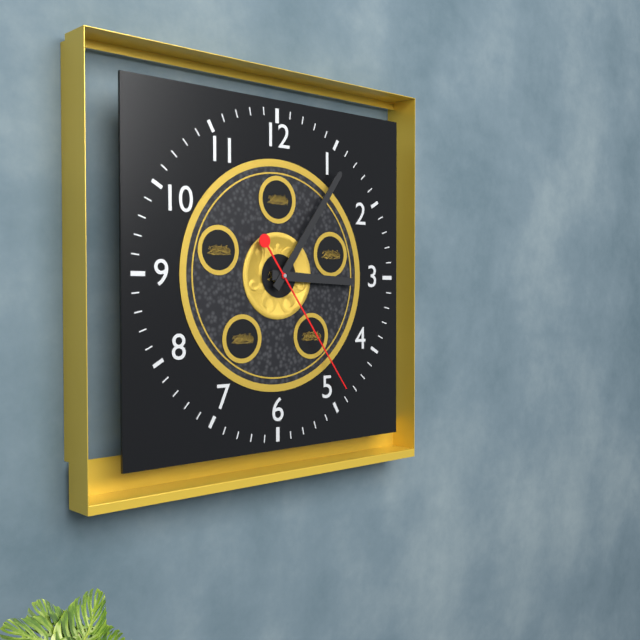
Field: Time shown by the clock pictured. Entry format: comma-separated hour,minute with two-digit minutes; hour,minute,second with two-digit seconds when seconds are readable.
3,06,24
